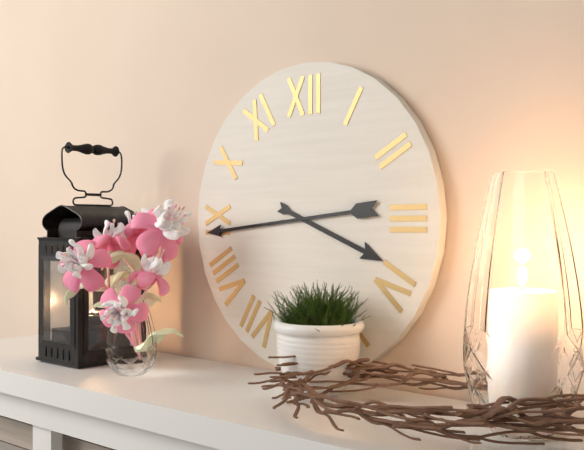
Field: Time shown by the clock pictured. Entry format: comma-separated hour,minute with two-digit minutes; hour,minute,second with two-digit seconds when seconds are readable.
3,44
